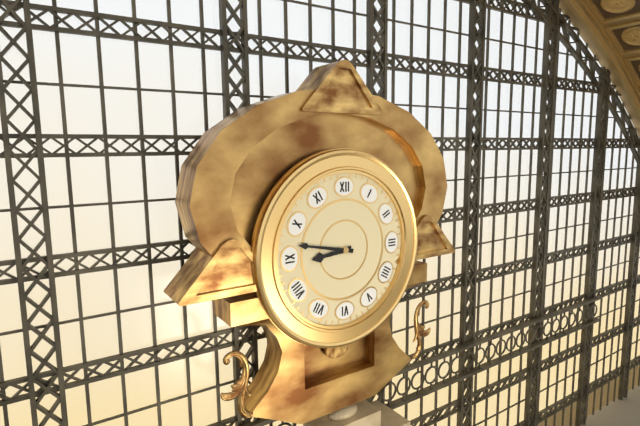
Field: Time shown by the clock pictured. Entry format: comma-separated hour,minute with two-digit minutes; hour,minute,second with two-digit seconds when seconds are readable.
8,47
